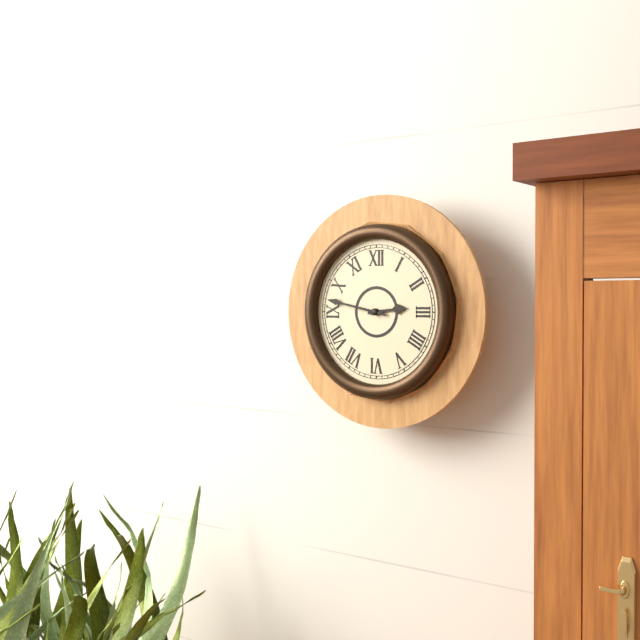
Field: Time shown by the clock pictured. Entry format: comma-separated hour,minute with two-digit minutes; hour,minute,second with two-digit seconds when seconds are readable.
2,47
